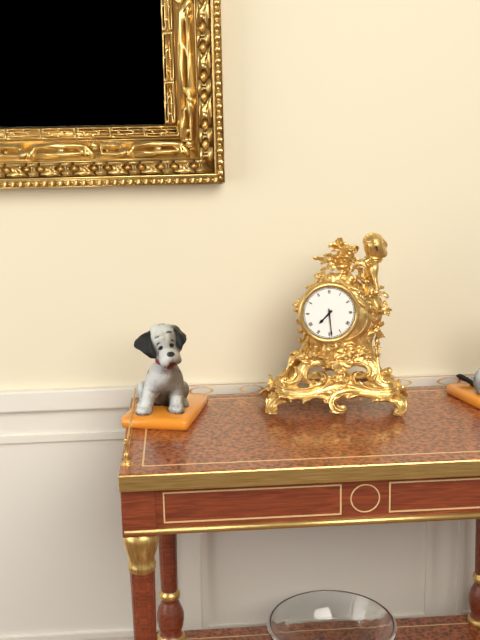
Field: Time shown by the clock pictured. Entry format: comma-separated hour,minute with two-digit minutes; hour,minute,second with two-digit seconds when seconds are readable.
7,29
